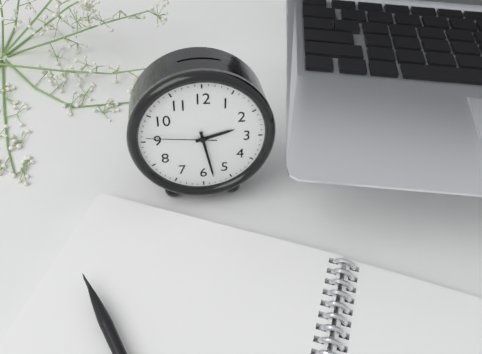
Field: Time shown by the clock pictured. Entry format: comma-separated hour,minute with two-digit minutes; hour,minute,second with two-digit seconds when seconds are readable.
2,28,46
